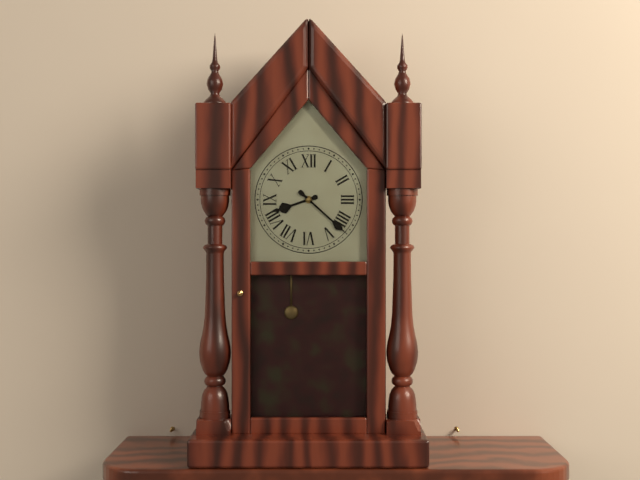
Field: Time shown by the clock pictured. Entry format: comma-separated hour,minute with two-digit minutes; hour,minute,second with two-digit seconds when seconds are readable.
8,22
